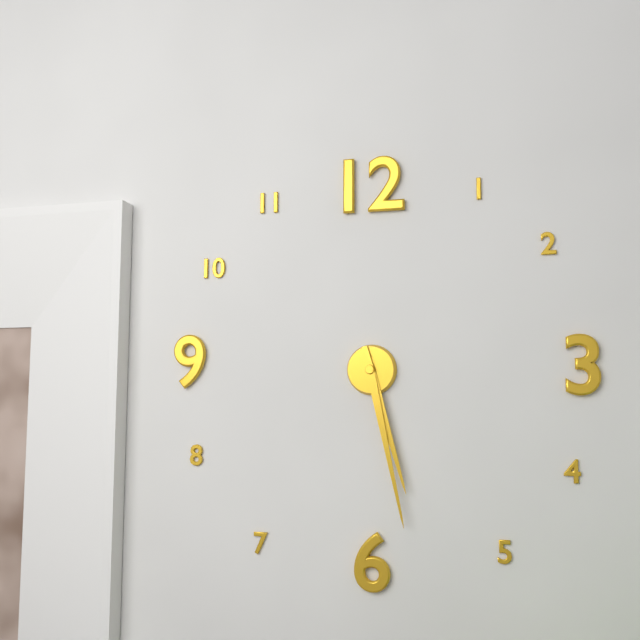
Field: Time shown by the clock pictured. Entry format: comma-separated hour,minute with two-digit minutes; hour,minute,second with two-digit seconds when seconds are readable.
5,28
